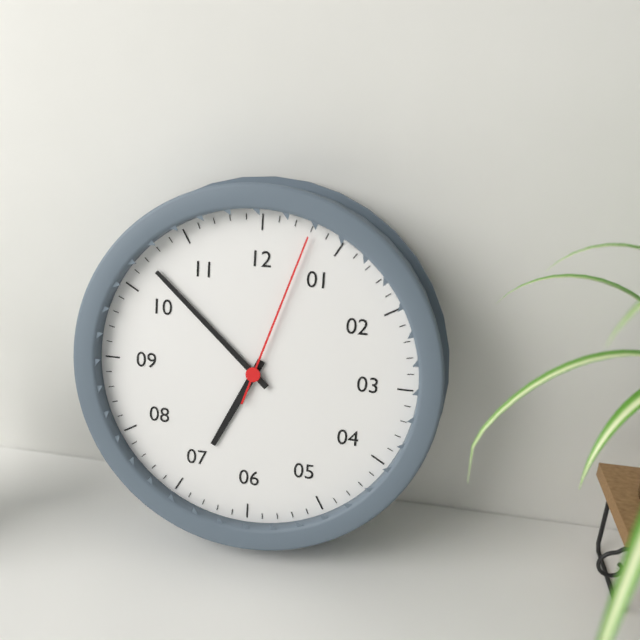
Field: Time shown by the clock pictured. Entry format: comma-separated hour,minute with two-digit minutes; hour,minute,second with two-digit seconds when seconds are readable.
6,52,03
